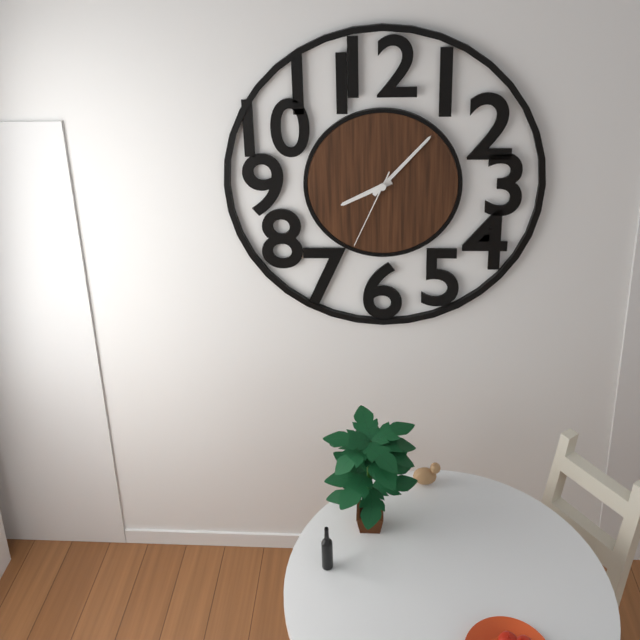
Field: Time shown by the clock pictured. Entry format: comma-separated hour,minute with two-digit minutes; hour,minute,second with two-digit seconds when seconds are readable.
8,07,34
